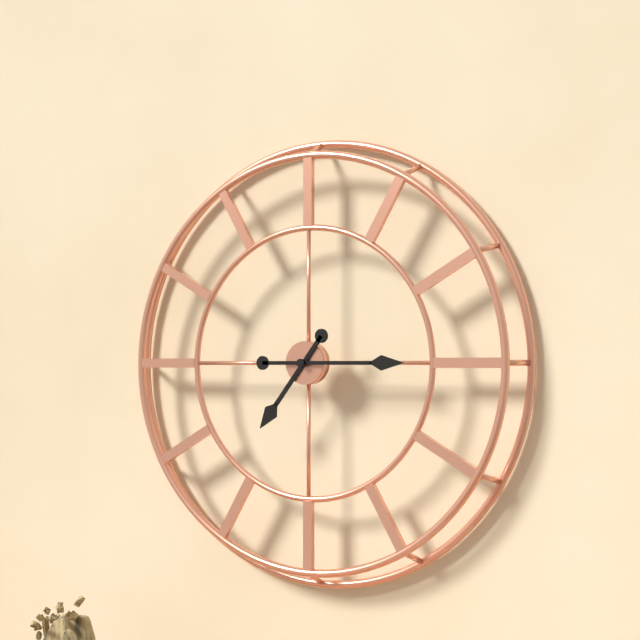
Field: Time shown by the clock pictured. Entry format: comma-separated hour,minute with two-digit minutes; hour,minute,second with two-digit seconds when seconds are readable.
7,15
